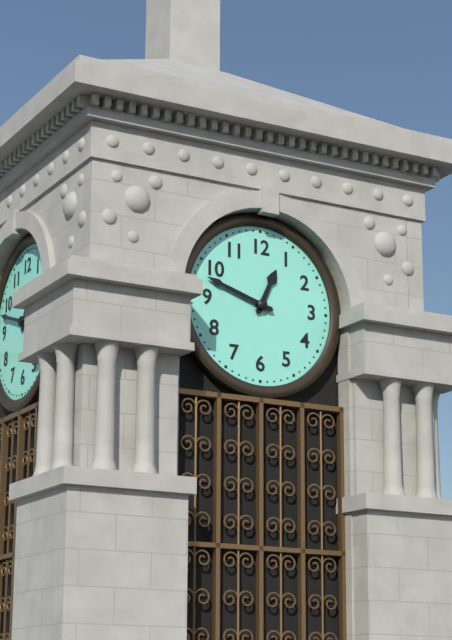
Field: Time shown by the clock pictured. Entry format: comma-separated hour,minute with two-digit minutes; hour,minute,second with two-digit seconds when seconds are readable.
12,48
